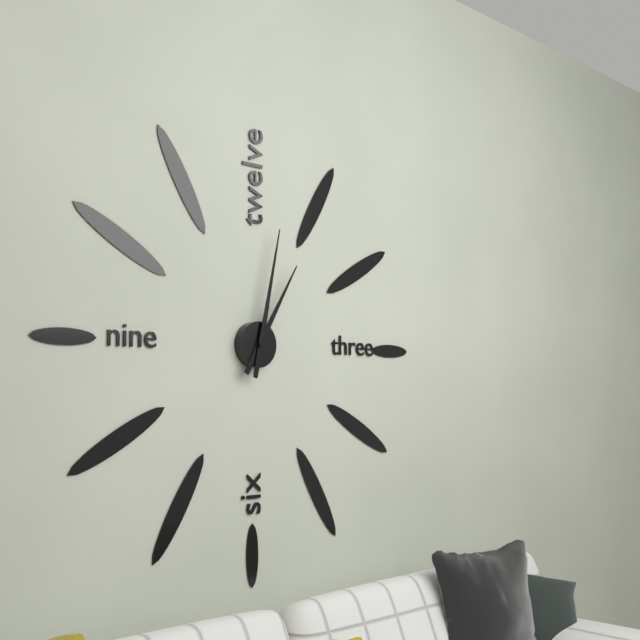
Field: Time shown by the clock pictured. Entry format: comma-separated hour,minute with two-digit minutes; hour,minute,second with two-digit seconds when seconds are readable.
1,02
